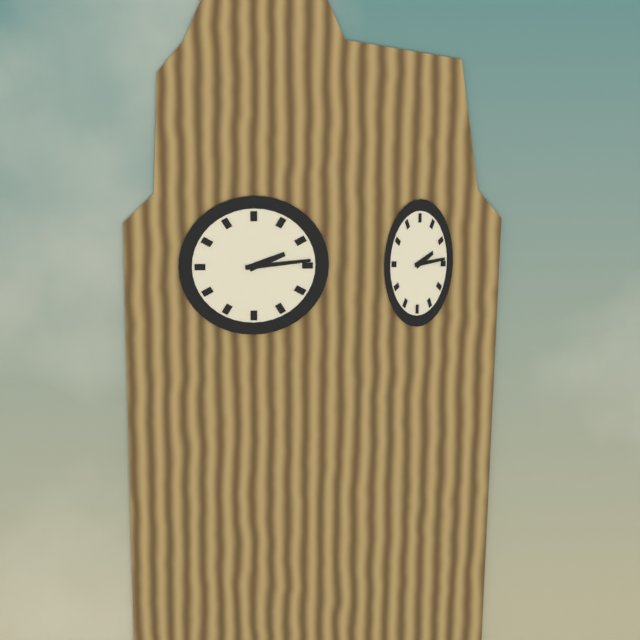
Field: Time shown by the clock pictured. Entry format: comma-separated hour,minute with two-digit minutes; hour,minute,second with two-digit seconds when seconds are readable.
2,14
